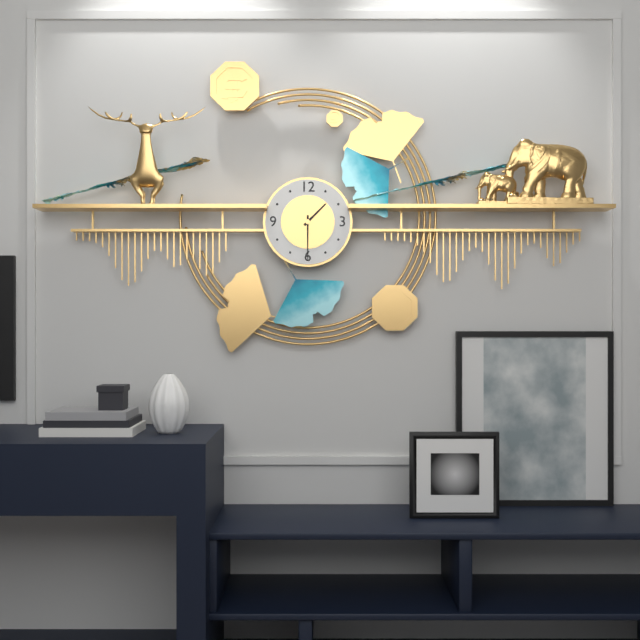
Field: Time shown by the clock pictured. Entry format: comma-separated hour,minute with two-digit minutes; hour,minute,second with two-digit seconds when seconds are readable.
1,30
